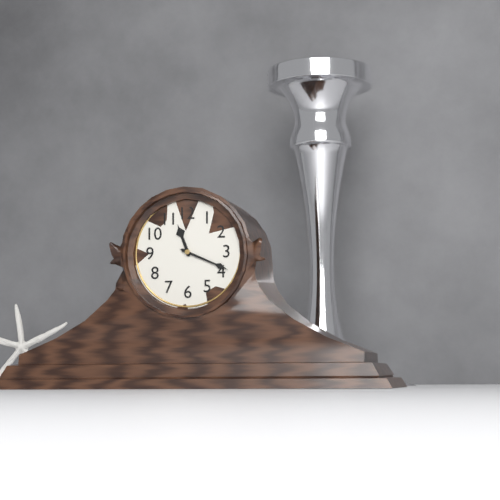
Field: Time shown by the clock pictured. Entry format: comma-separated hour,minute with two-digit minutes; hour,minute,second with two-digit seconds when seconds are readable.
11,19
